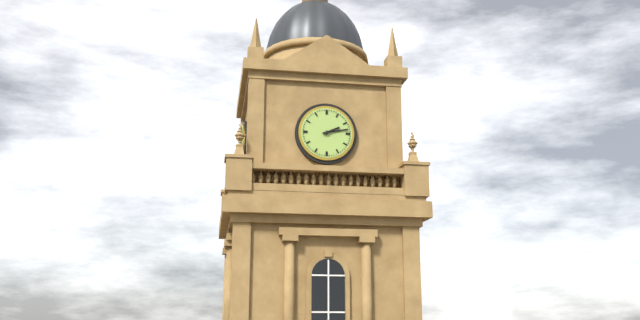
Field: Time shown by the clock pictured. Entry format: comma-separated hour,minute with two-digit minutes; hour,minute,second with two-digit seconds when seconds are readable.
2,13
